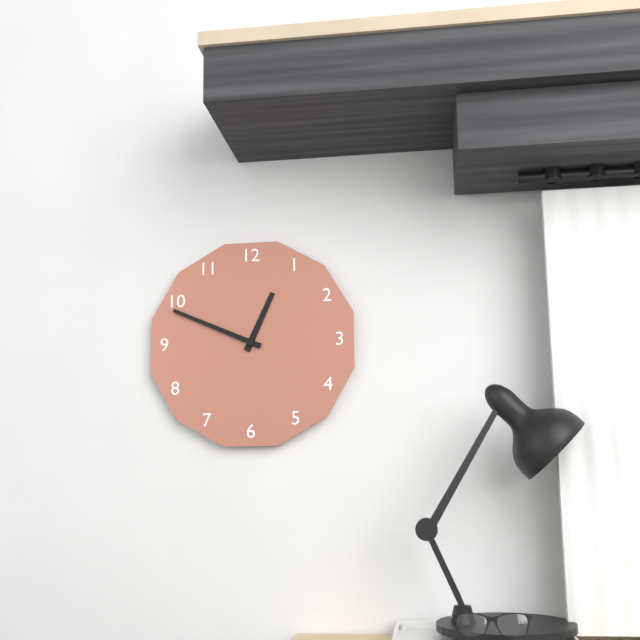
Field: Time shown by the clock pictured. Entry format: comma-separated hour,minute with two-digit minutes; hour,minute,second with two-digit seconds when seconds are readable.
12,49
